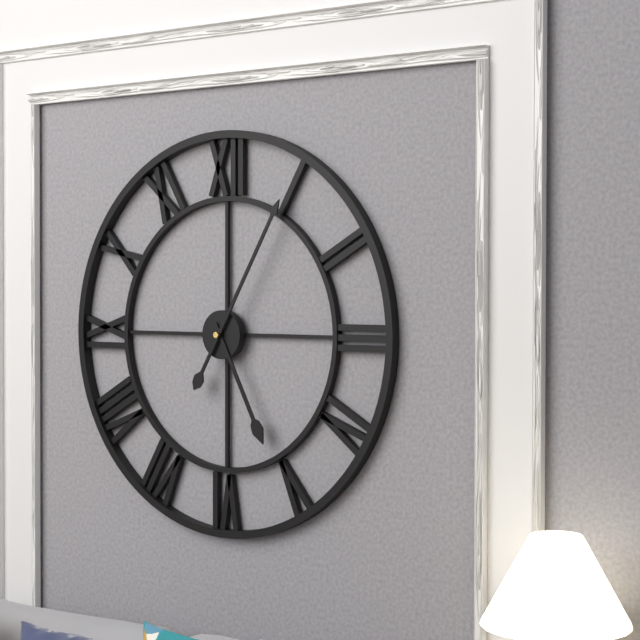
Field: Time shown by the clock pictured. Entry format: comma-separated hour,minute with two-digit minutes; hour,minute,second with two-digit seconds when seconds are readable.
5,05
